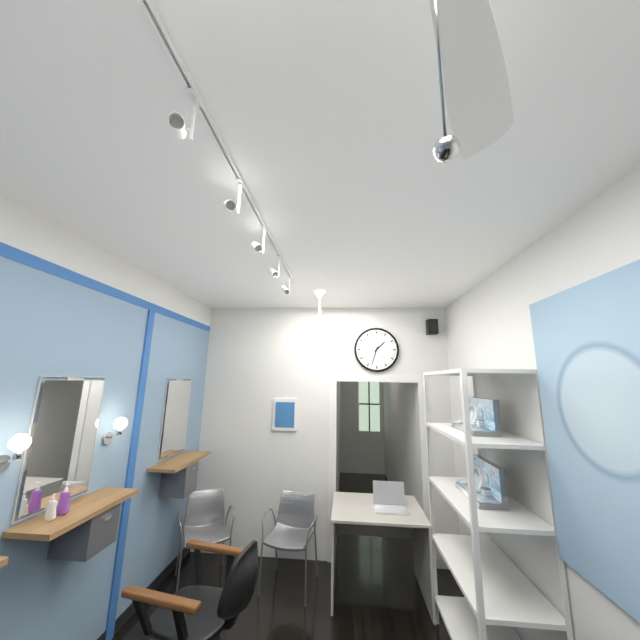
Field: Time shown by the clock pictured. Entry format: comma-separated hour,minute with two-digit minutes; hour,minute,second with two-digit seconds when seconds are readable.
1,33
